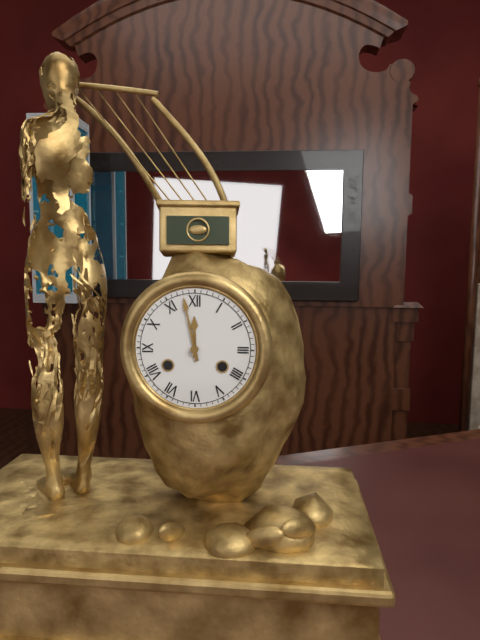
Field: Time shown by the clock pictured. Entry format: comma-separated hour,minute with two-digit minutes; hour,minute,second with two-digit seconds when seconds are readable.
11,58
